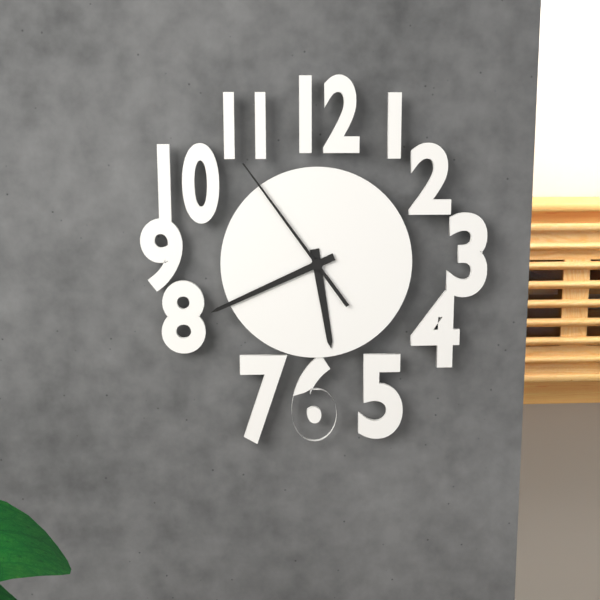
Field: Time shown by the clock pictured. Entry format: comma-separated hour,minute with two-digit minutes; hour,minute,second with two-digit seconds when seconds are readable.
5,41,54
